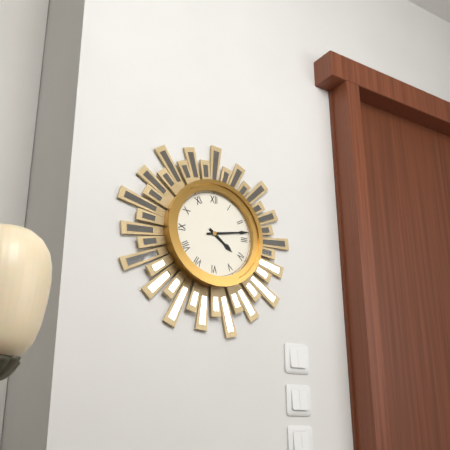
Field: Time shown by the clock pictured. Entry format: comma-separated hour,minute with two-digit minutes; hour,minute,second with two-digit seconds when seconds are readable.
4,13
